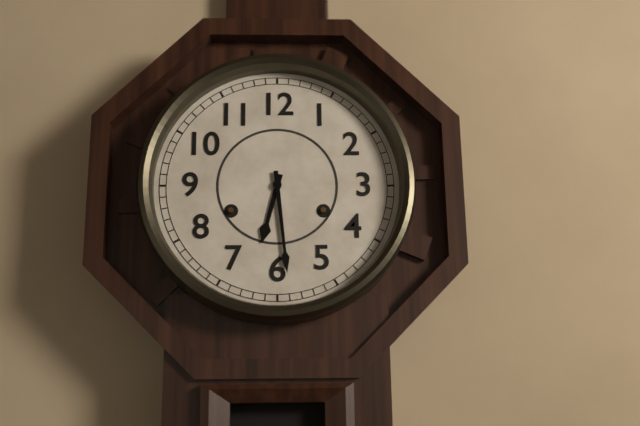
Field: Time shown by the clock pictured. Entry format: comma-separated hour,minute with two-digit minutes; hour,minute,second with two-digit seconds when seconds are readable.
6,29
